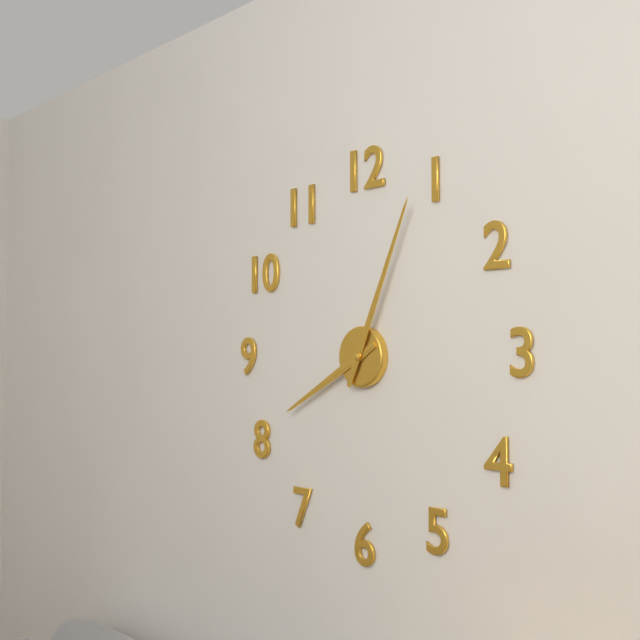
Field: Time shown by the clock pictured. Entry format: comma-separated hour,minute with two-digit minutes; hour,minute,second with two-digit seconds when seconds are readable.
8,04
